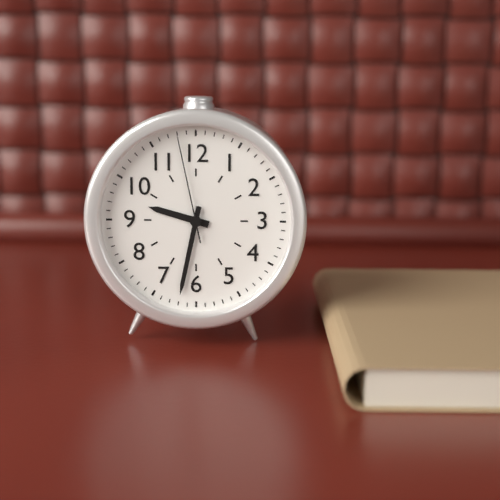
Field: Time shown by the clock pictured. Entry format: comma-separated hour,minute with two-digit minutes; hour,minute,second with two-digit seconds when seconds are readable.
9,32,58
